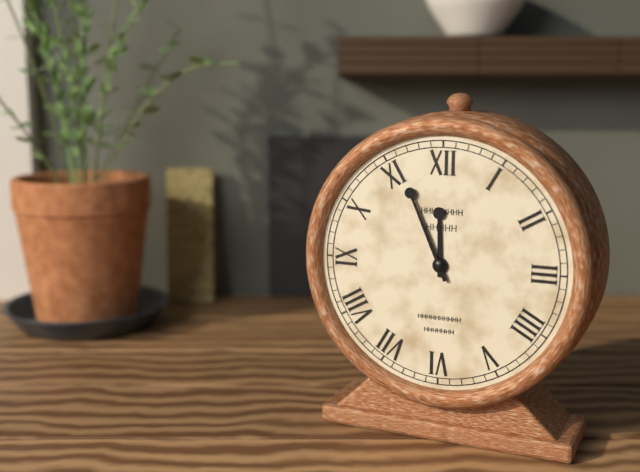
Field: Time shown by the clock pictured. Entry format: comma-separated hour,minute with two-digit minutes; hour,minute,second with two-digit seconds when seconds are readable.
11,56
